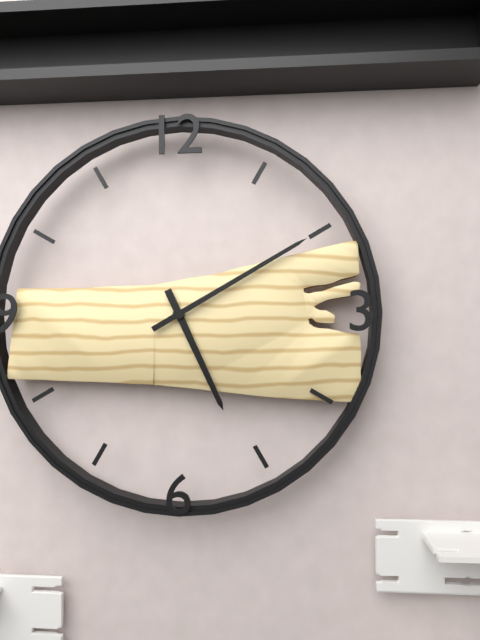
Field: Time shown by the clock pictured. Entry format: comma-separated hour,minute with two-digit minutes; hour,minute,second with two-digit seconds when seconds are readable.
5,10
